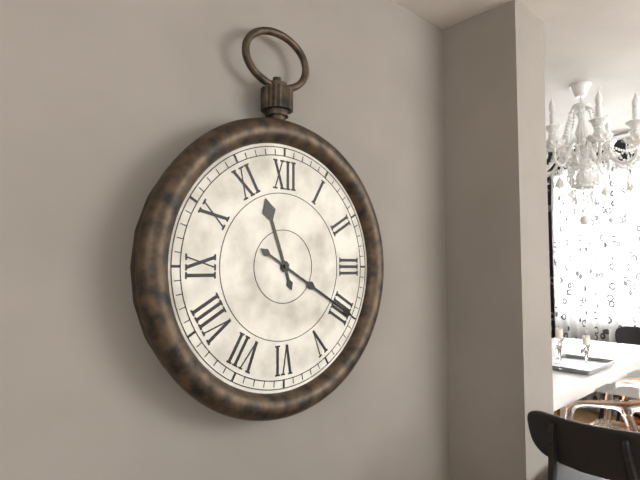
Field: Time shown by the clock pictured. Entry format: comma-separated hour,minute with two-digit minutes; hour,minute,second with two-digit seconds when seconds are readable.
11,20
